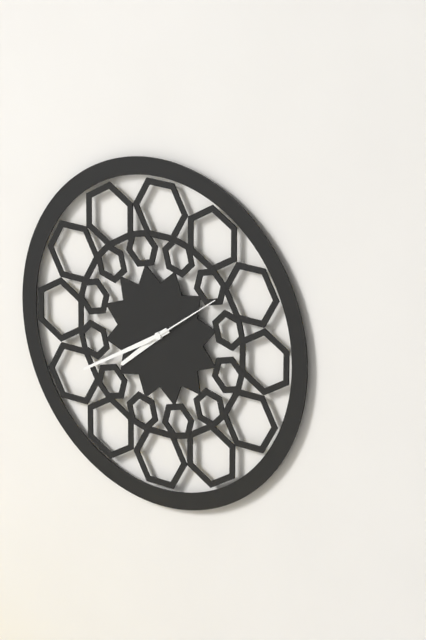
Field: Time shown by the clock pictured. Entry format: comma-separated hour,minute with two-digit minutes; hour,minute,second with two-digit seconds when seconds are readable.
7,40,09
